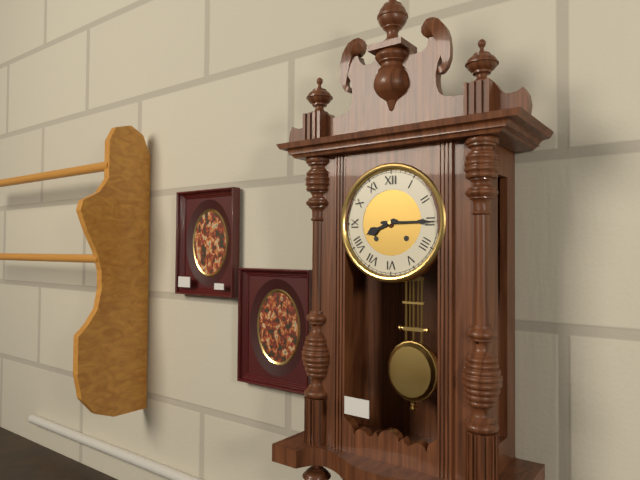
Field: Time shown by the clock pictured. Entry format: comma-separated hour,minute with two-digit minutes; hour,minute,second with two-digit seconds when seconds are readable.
8,15
